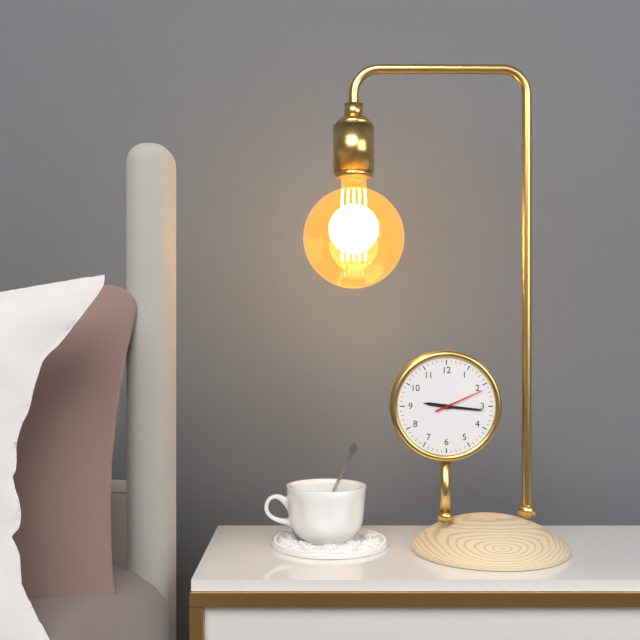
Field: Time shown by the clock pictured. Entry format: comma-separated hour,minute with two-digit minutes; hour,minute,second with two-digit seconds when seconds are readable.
9,16
